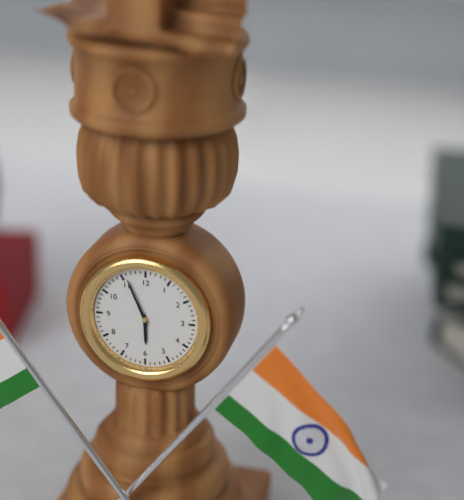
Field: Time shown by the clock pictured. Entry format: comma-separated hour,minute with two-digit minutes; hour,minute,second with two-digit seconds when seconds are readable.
5,56
